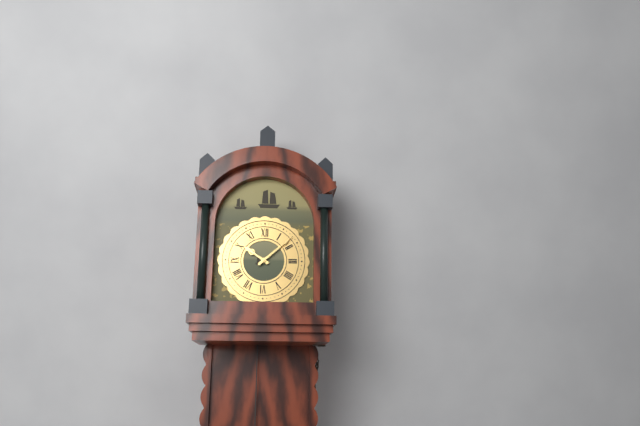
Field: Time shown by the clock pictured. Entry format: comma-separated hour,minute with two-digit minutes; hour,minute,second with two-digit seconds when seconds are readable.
10,08
